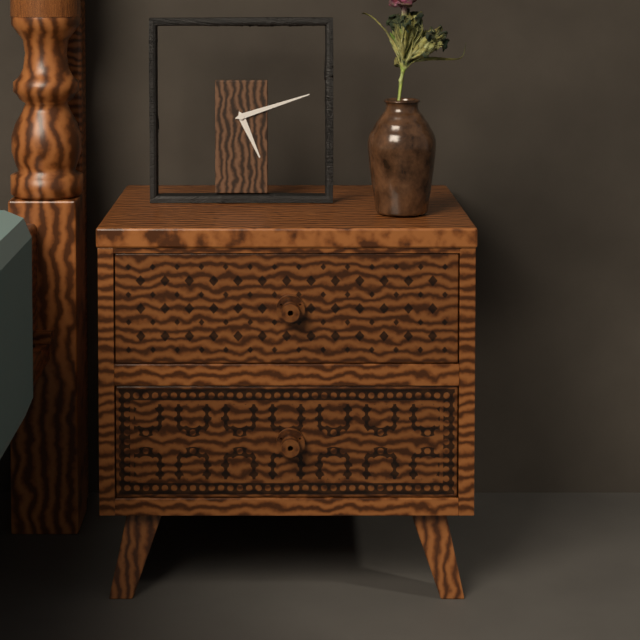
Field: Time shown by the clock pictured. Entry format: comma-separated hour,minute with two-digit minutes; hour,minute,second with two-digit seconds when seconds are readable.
5,12
